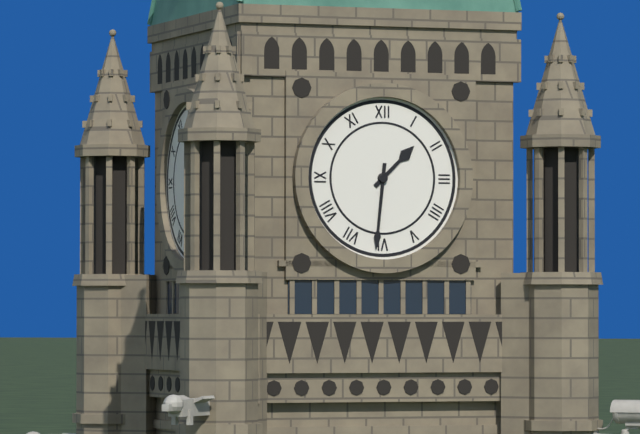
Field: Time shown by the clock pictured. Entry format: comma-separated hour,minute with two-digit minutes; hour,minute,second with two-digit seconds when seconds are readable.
1,31
